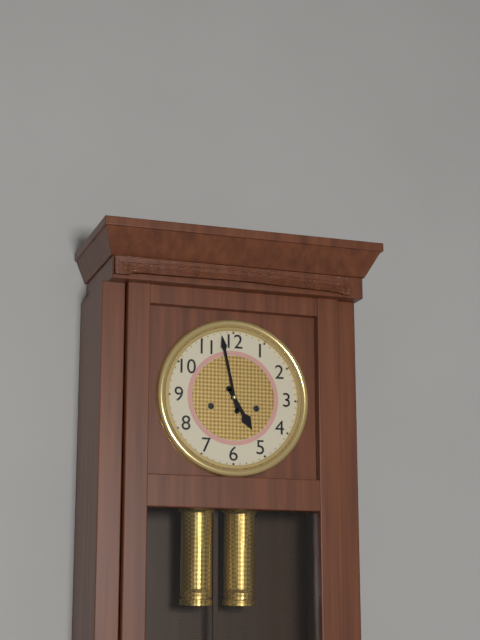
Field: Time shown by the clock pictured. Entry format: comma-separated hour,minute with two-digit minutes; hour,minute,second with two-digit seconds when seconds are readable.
4,58
